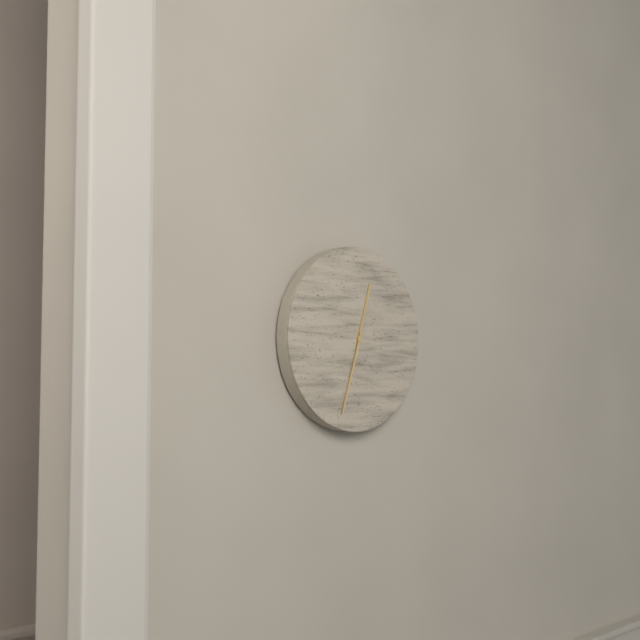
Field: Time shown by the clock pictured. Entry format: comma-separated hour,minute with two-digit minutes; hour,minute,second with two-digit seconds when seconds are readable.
12,33
